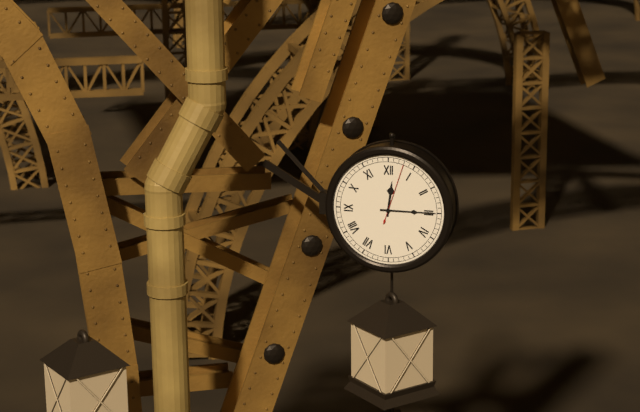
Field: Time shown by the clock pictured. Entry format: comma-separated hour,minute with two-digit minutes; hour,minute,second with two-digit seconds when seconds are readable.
12,15,03
